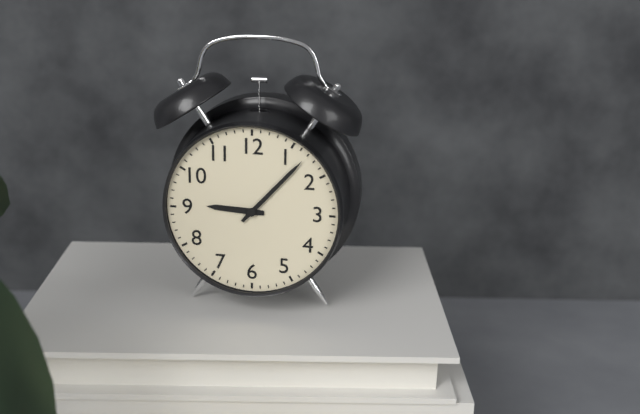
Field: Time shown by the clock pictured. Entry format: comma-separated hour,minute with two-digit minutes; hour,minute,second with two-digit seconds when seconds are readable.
9,07
